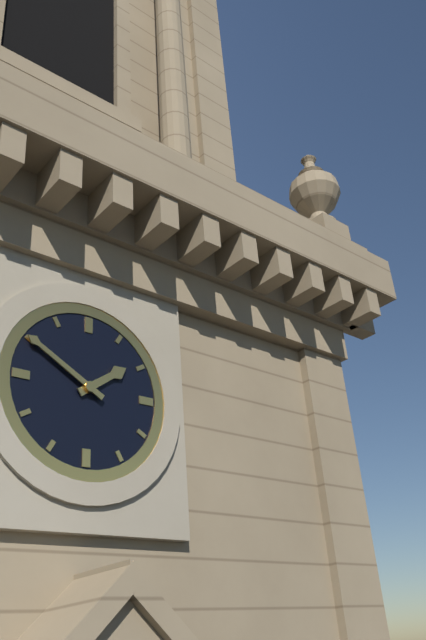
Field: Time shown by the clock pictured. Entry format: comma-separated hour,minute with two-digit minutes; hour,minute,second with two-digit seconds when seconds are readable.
1,50
